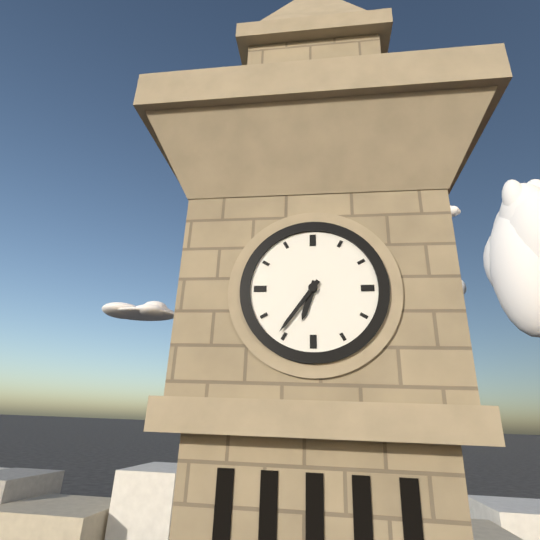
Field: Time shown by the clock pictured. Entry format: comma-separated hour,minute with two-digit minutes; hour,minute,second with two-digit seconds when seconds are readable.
6,36
